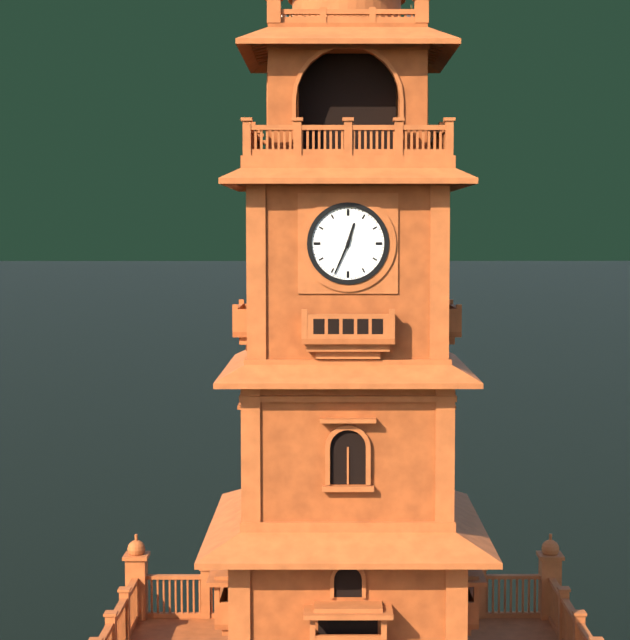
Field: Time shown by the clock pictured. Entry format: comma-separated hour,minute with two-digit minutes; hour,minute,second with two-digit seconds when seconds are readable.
12,34
